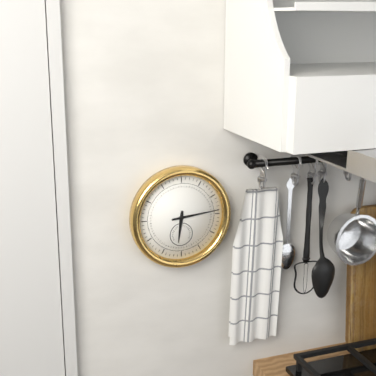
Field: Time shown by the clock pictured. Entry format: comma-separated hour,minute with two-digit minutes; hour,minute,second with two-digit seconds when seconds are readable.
6,14
